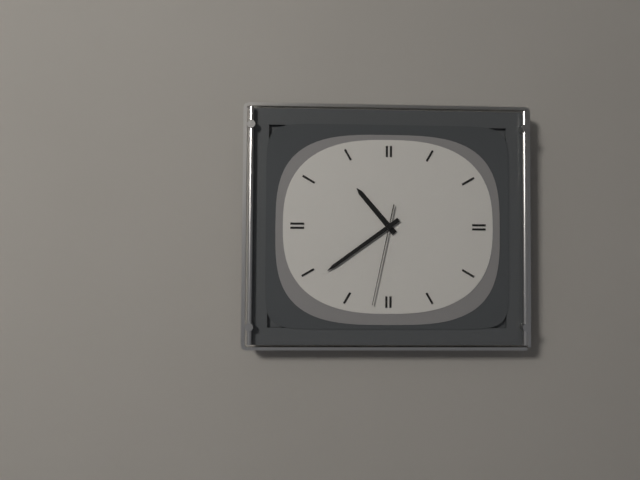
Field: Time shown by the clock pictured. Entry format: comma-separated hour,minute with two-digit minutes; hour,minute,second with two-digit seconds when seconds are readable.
10,39,32
